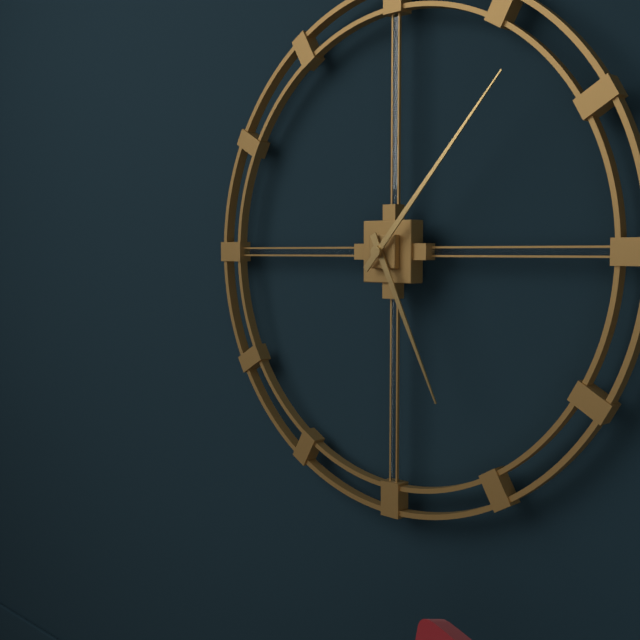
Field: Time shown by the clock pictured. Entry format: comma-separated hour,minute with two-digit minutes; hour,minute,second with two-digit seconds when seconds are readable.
5,07
